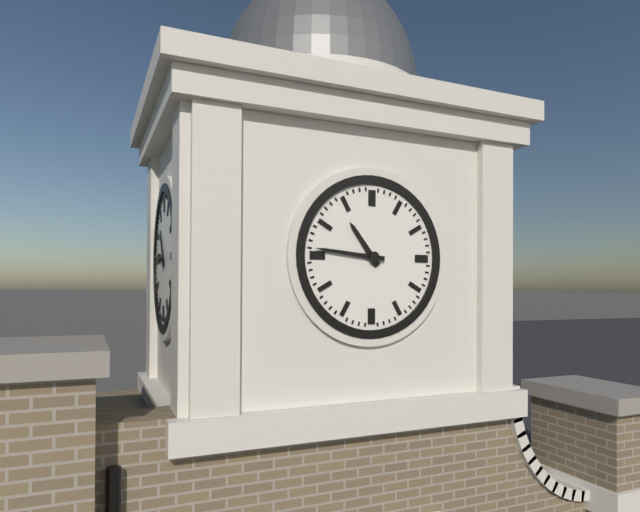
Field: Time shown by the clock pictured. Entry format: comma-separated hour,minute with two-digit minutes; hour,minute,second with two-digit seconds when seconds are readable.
10,46
